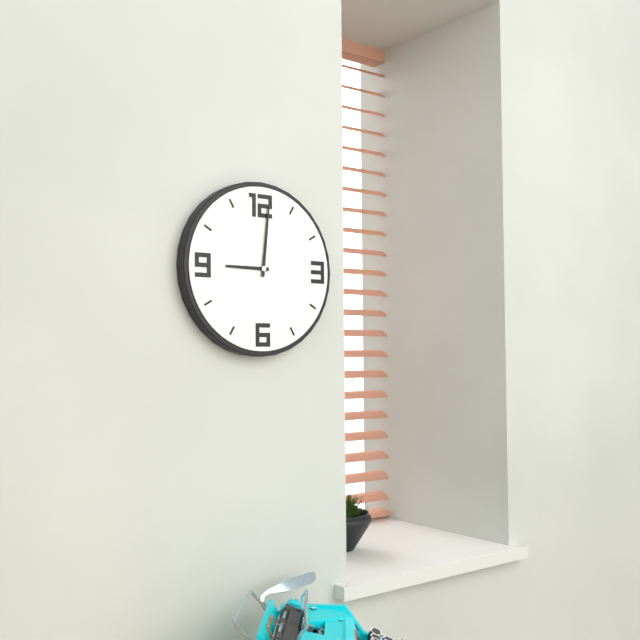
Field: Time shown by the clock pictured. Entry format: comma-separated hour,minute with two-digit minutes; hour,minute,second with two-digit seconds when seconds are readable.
9,01
